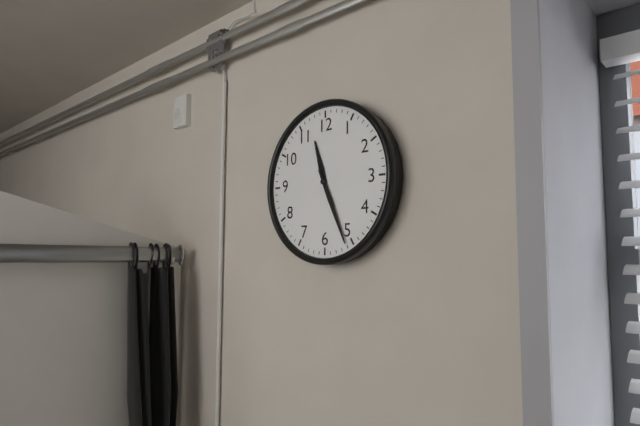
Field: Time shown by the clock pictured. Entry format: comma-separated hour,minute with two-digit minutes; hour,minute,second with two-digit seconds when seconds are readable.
11,26
